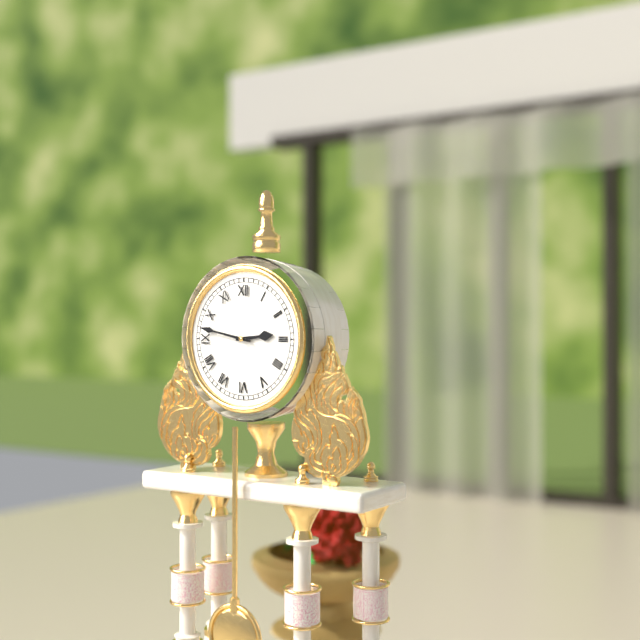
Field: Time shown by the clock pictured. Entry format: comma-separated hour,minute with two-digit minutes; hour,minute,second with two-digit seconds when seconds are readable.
2,47
